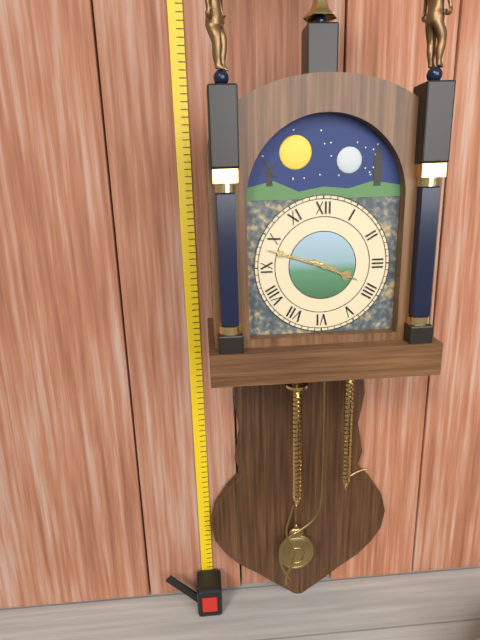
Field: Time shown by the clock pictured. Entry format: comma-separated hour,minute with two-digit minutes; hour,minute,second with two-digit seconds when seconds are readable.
3,48
